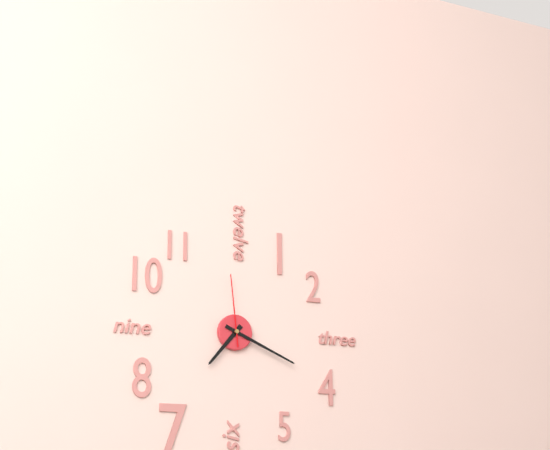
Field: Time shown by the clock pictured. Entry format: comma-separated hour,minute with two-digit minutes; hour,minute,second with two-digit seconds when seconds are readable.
7,19,59
